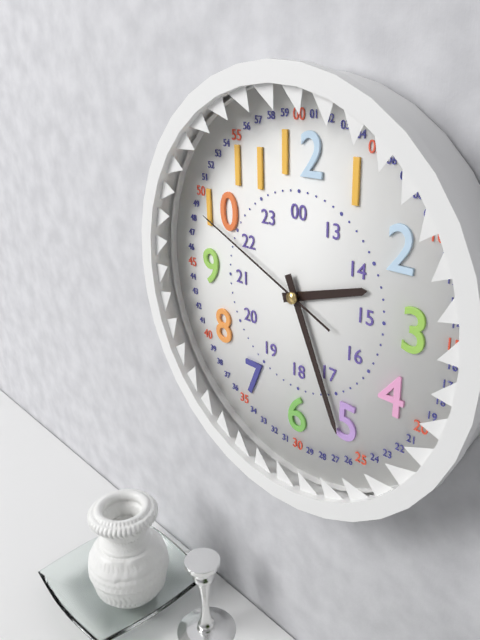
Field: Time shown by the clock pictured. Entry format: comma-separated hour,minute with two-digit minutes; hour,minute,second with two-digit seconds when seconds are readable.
2,26,49
